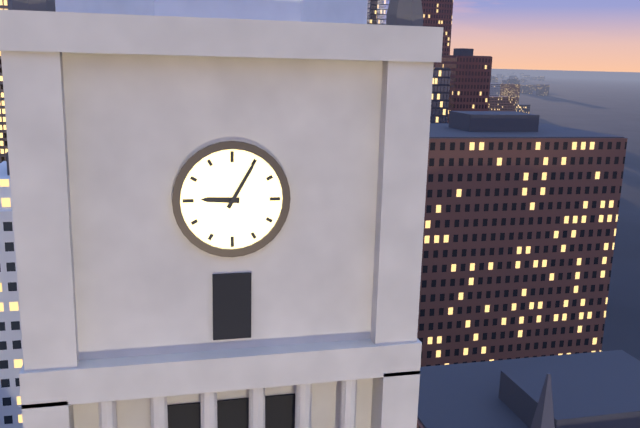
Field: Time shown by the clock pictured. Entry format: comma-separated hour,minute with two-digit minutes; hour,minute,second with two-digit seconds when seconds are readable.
9,05
